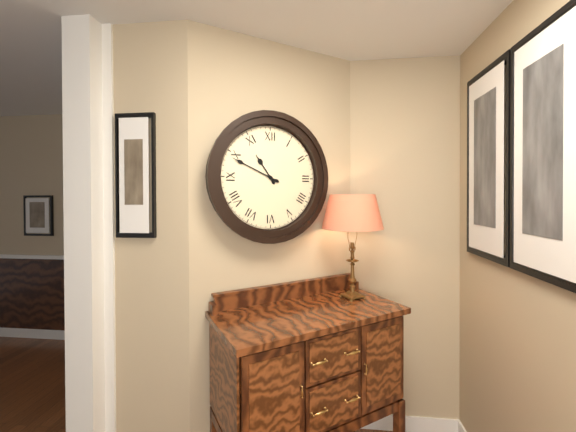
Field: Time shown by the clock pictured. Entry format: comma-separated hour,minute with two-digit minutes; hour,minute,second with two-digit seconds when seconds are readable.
10,49
